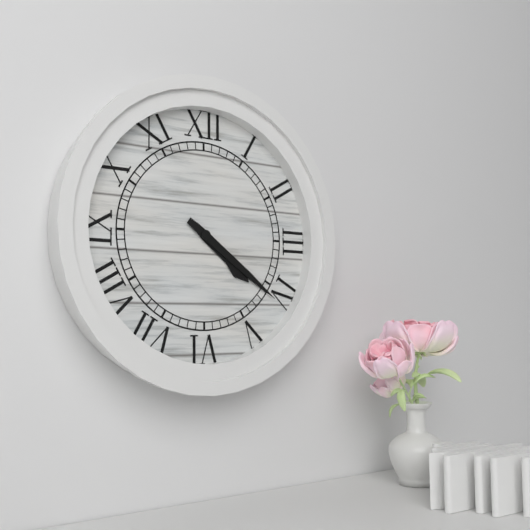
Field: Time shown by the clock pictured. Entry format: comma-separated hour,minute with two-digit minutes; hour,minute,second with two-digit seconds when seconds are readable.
4,21
